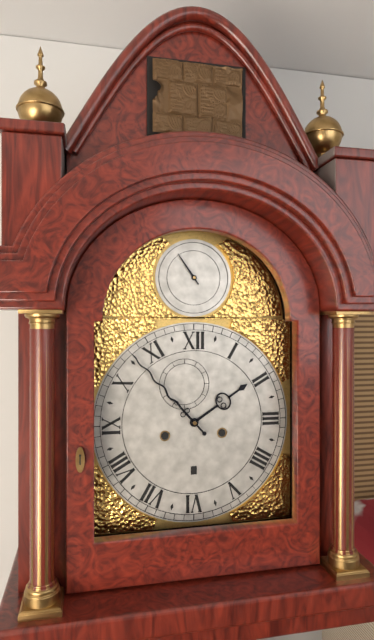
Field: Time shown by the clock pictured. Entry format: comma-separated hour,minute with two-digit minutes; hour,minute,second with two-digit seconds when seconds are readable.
1,53
